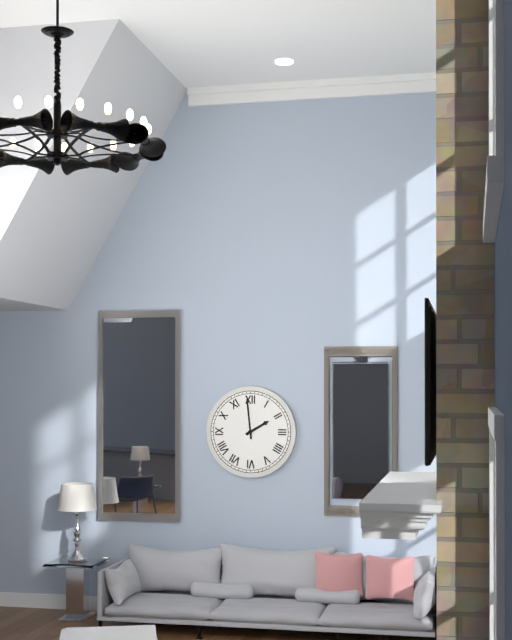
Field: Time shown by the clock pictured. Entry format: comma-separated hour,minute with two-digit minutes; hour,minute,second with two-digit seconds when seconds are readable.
1,59
